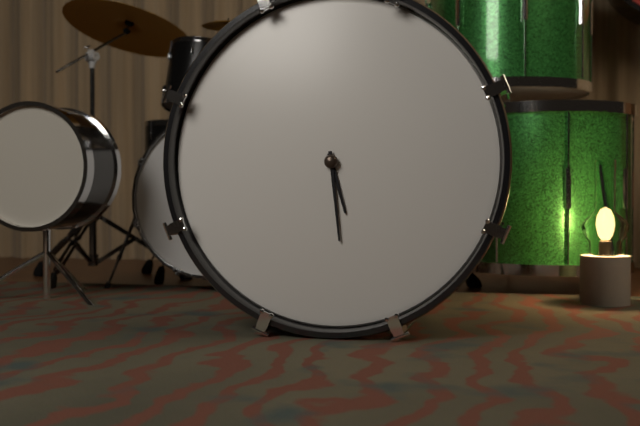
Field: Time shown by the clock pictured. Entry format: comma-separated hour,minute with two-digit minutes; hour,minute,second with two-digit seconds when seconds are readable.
5,29
